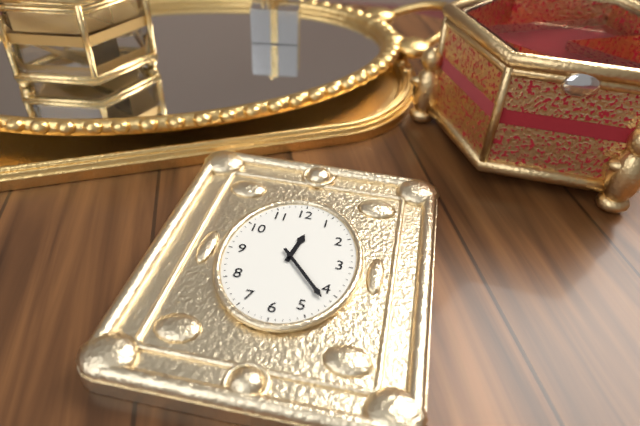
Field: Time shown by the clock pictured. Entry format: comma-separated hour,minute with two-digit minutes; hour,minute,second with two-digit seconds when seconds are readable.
12,23
